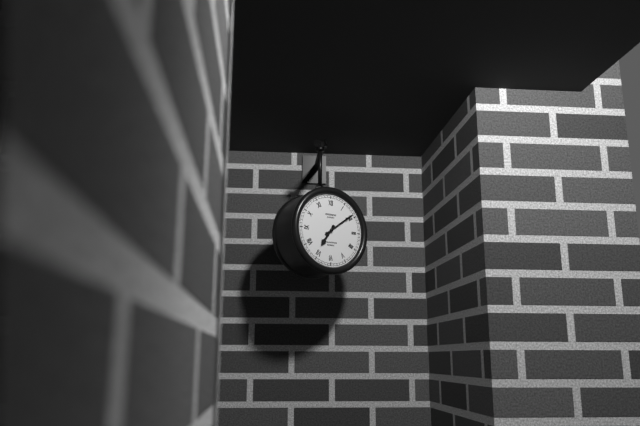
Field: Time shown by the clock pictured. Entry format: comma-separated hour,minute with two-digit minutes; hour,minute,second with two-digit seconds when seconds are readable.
7,09
